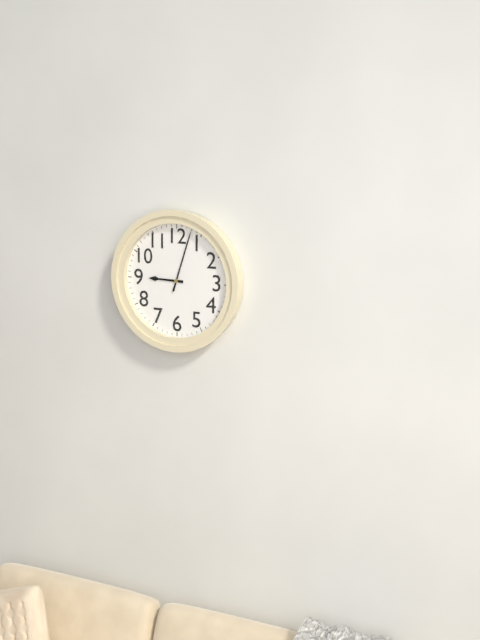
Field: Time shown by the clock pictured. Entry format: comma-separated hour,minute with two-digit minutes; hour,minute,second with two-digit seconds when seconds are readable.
9,03
